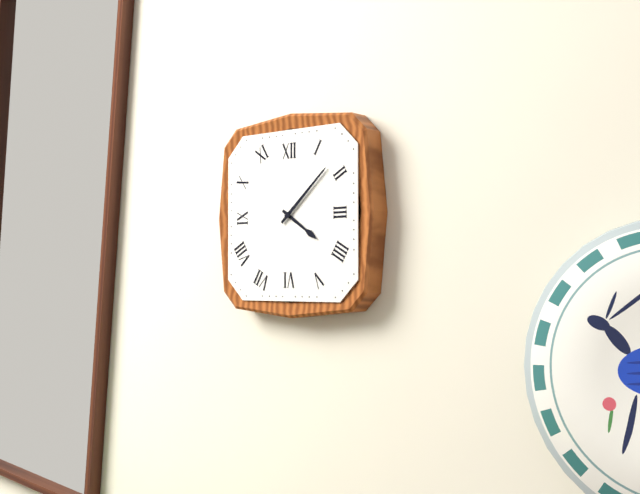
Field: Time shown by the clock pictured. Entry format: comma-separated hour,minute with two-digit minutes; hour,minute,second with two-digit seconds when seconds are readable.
4,08
